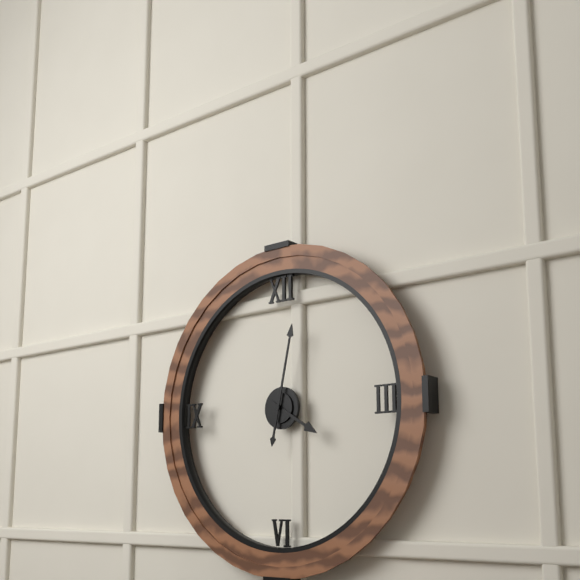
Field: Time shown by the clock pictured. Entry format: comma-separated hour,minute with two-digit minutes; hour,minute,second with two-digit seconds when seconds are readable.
4,02
